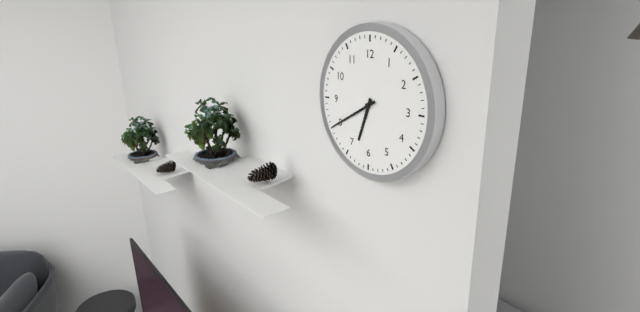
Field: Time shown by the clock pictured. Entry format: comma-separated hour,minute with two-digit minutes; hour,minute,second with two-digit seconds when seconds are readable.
6,40
